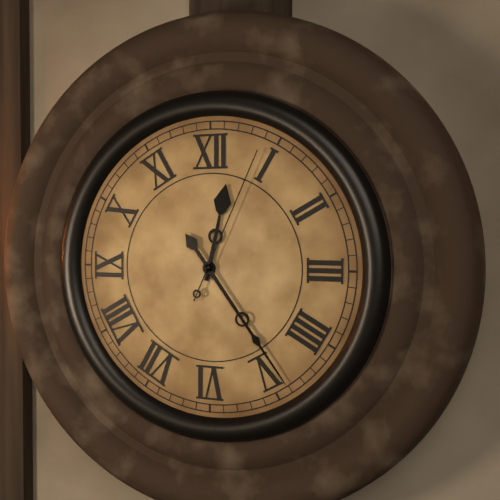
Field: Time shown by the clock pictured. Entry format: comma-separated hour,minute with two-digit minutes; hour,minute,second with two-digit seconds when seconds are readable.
12,24,04
